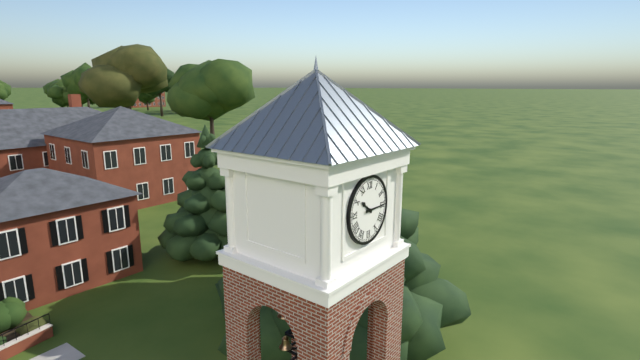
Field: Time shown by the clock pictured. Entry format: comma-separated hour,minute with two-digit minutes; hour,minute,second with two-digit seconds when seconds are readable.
10,15
